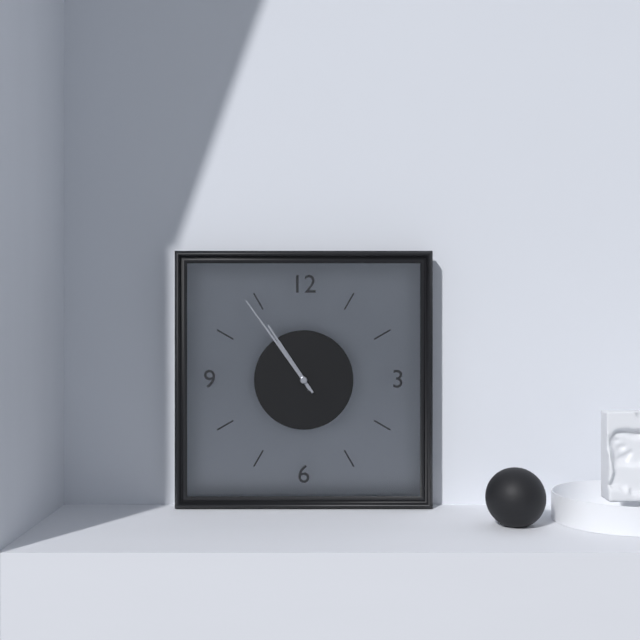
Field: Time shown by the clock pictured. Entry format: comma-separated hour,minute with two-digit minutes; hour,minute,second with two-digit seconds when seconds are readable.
10,54
